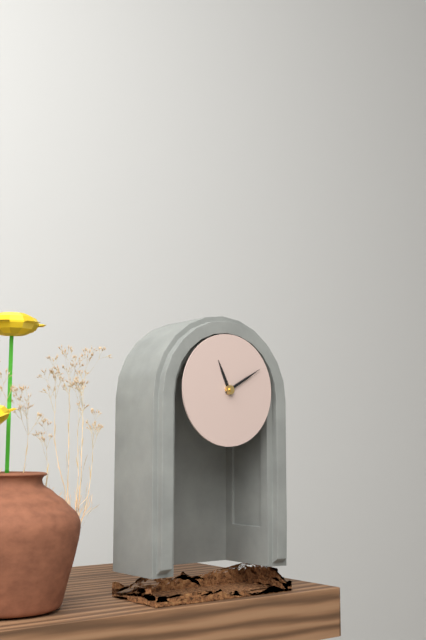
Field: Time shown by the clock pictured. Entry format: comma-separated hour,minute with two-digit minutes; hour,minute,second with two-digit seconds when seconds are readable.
11,10
